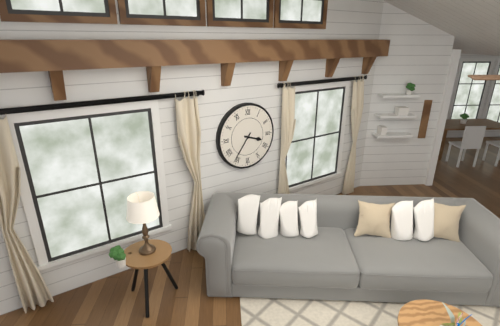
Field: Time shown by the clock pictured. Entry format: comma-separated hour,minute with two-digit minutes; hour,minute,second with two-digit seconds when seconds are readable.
3,36
